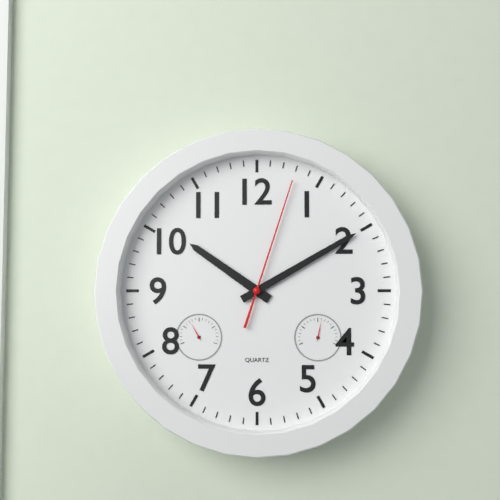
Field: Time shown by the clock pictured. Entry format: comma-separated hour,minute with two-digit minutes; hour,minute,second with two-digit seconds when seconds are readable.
10,10,03
